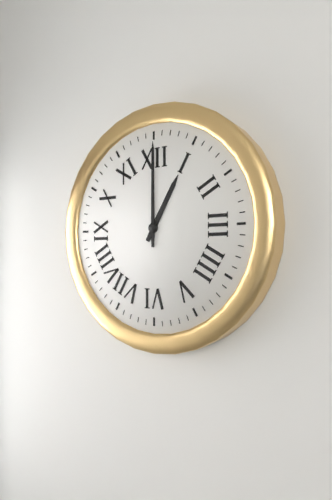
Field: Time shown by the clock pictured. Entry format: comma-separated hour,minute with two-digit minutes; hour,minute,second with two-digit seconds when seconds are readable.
1,00
